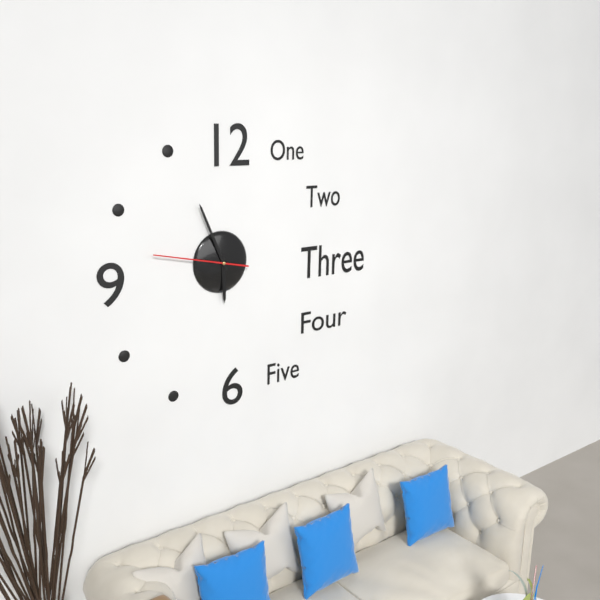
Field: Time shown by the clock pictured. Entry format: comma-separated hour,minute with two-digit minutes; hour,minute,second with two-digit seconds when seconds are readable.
5,56,47
